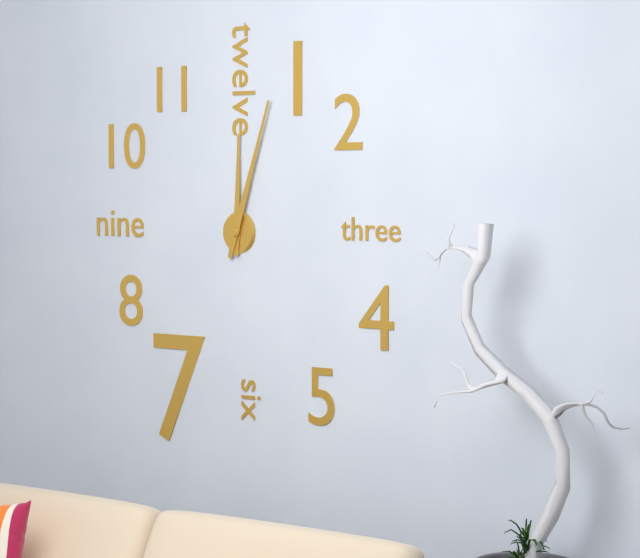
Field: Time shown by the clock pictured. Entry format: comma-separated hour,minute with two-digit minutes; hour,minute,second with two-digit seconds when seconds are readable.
12,03
